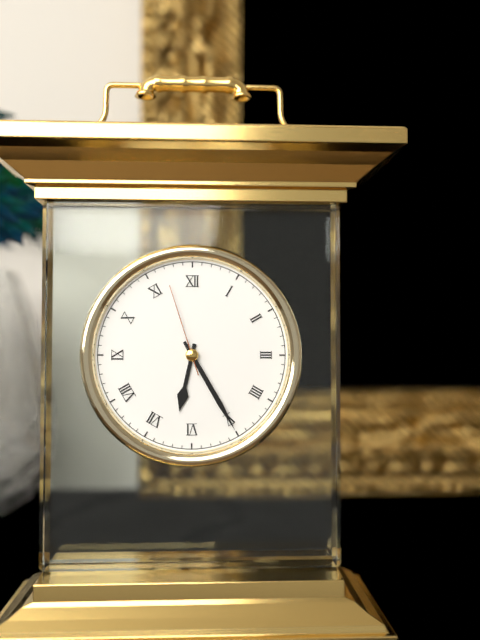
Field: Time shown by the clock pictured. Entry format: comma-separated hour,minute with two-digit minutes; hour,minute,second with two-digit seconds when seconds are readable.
6,25,57
